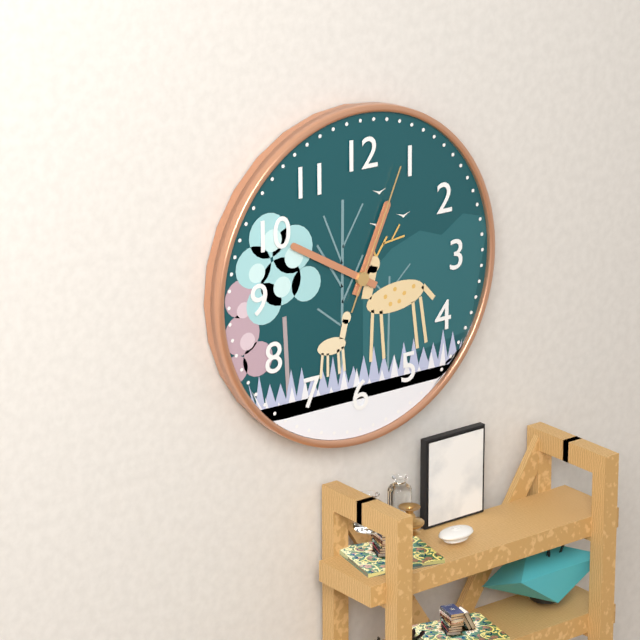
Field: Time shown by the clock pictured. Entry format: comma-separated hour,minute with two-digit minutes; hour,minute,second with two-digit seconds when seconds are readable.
12,50,04
